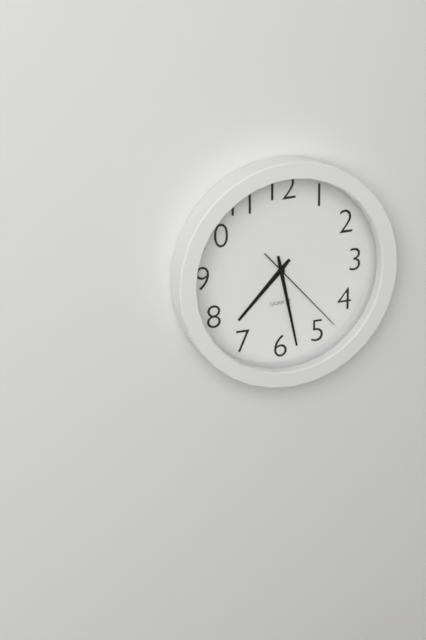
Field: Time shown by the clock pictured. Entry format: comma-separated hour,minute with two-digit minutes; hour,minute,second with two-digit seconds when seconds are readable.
7,28,23
